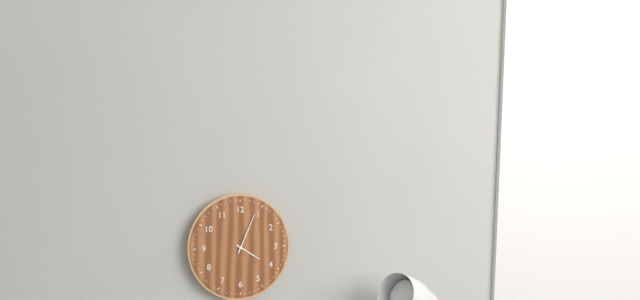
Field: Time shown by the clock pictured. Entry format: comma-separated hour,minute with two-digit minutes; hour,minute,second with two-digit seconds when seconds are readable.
4,04
